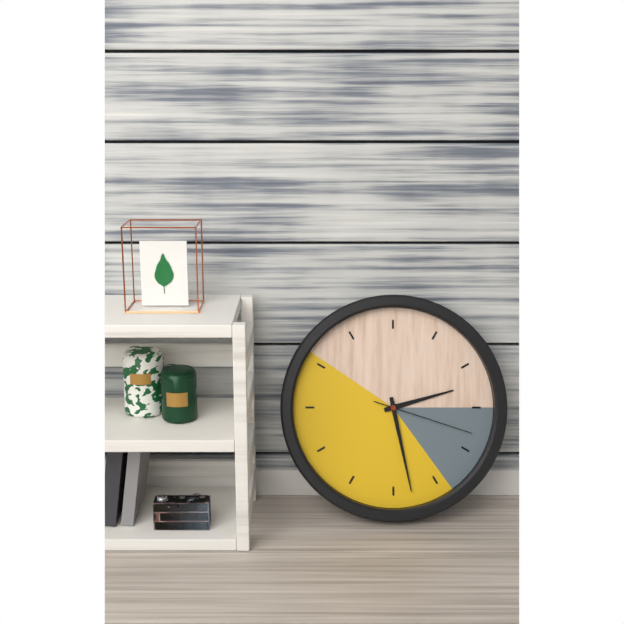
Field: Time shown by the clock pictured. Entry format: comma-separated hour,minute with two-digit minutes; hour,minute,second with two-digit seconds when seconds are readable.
2,28,18
